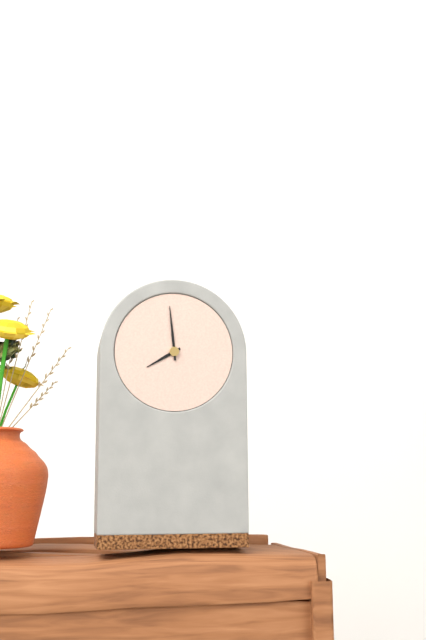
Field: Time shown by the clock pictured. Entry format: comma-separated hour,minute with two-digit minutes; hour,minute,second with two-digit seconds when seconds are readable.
7,59
